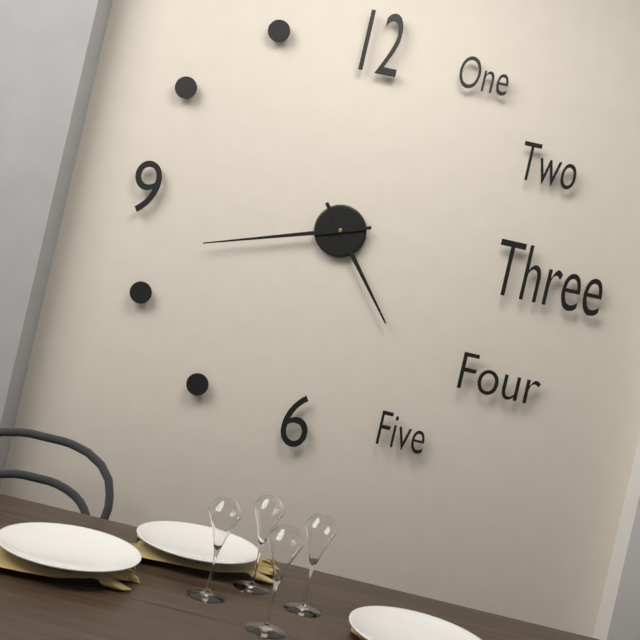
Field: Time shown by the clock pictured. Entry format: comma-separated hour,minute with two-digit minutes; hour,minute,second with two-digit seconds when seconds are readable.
4,42
